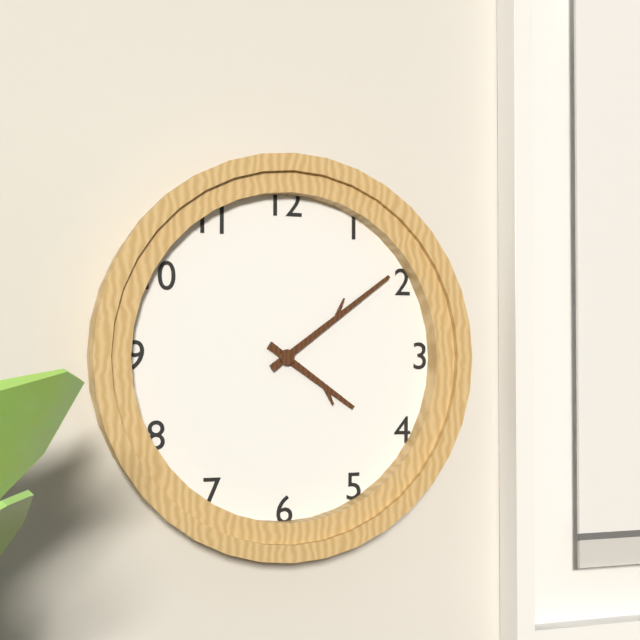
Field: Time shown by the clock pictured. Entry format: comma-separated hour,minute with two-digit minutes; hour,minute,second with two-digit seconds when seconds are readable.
4,09
